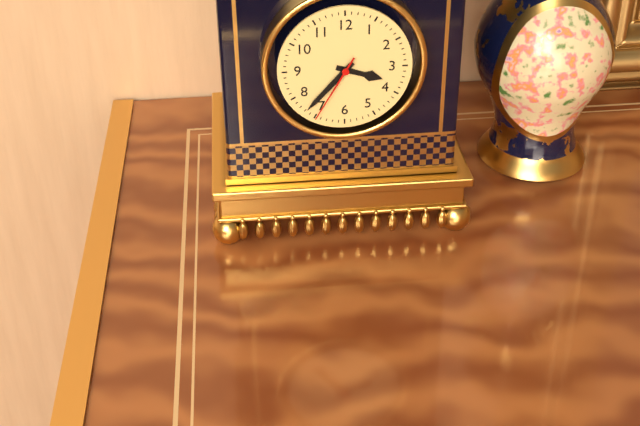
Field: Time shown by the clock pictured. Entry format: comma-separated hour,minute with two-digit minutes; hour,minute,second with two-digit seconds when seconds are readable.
3,37,35
